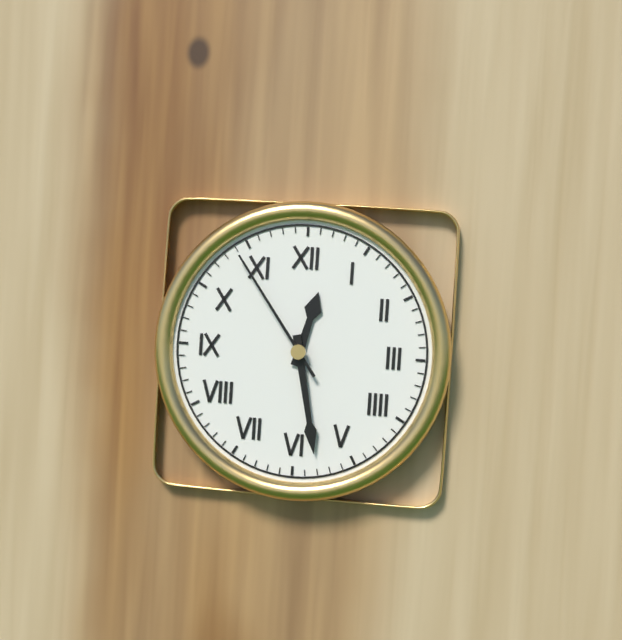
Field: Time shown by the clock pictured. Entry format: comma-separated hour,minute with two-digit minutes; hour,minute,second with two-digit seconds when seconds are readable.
12,28,54
